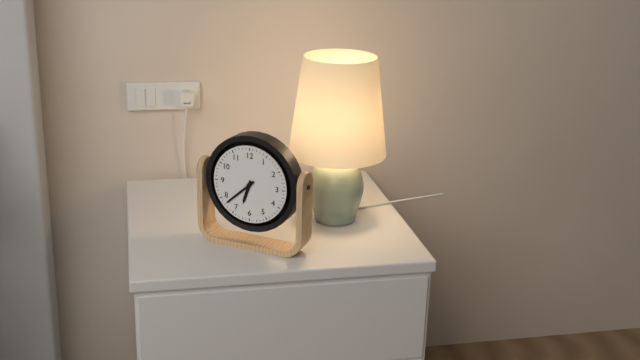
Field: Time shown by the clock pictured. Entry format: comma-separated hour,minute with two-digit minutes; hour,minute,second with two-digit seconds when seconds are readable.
6,38
